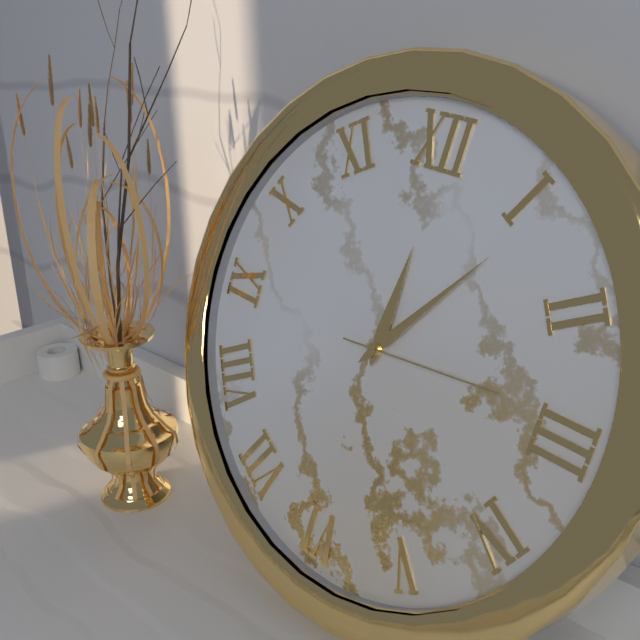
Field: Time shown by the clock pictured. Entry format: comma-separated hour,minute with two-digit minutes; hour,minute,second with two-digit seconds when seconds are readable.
12,06,14
